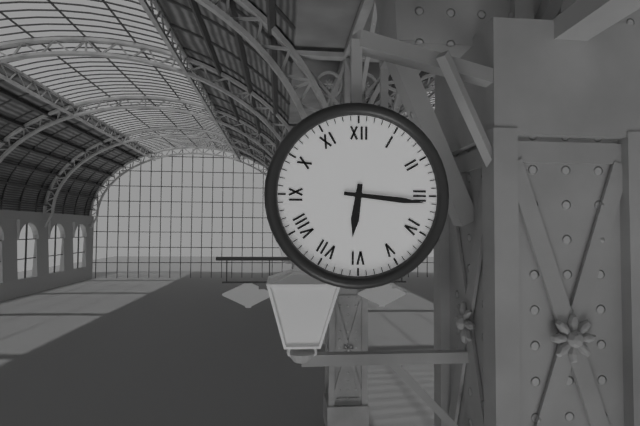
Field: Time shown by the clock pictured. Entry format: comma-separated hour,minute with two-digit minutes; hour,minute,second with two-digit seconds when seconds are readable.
6,16
